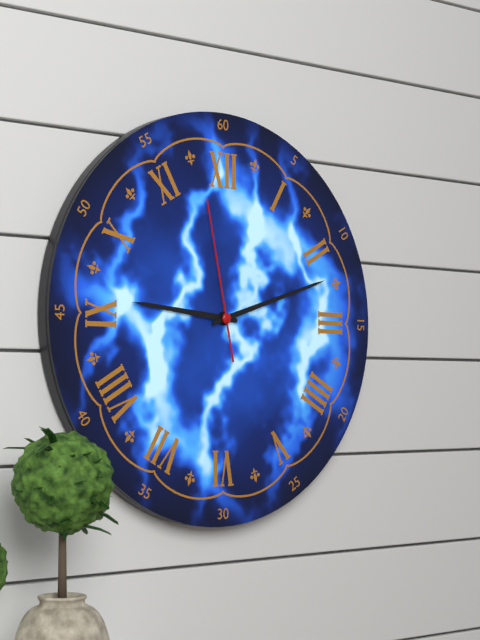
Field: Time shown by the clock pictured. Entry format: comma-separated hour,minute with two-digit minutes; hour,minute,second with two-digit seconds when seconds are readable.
9,12,58
